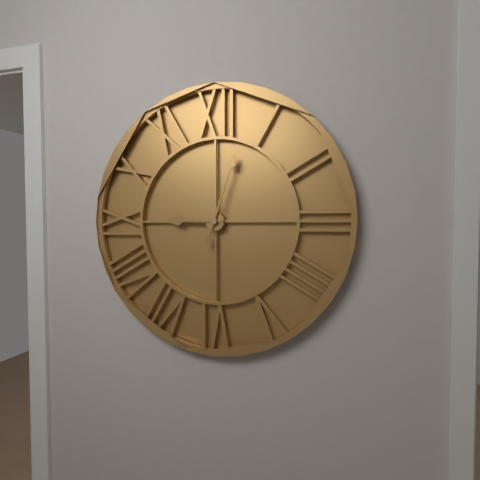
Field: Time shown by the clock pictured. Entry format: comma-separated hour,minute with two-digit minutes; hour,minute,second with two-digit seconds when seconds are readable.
9,03
